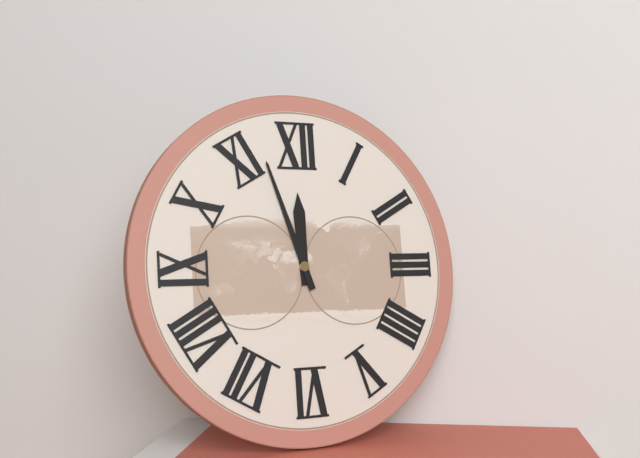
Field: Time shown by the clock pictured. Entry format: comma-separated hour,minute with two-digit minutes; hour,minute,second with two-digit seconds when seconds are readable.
11,57
